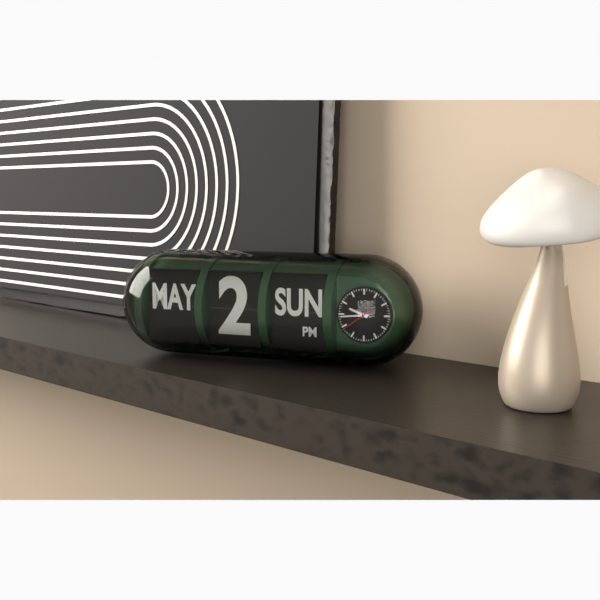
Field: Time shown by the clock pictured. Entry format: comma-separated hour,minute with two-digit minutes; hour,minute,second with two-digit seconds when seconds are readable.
9,44
